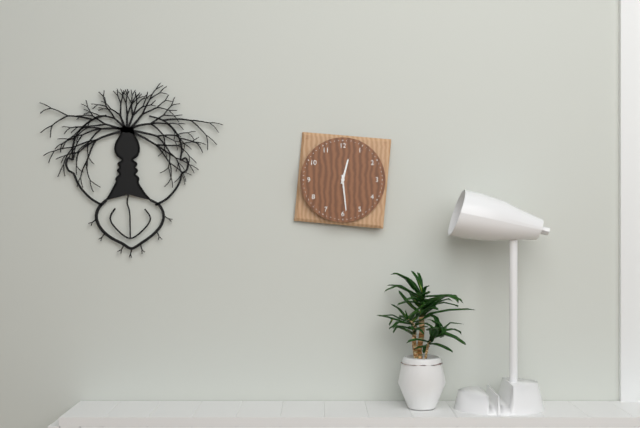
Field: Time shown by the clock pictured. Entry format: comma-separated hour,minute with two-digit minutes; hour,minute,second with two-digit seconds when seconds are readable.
12,29
